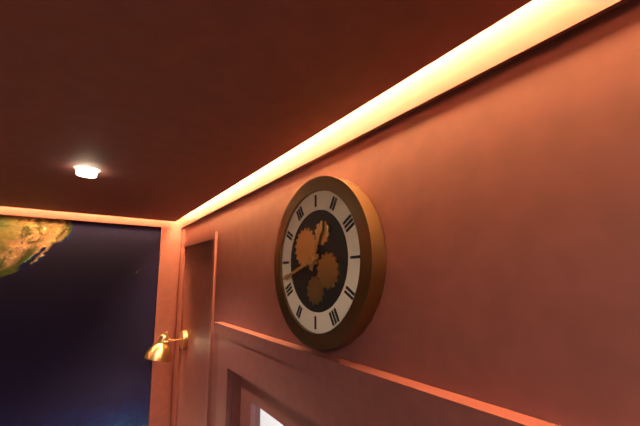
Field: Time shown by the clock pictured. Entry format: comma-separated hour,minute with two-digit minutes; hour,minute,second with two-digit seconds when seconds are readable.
12,42
